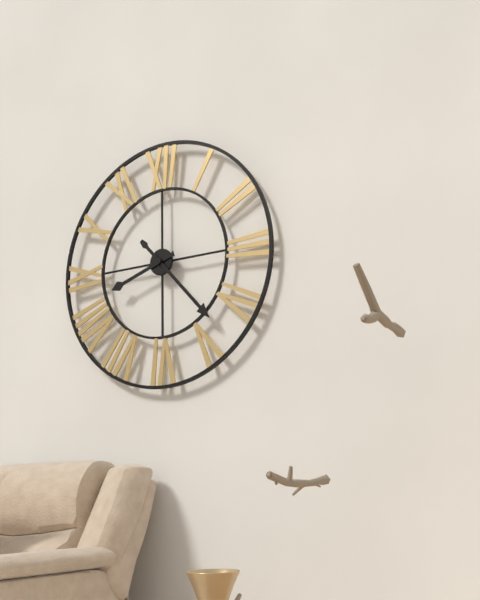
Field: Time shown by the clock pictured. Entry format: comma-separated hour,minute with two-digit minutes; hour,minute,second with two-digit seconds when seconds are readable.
8,23
